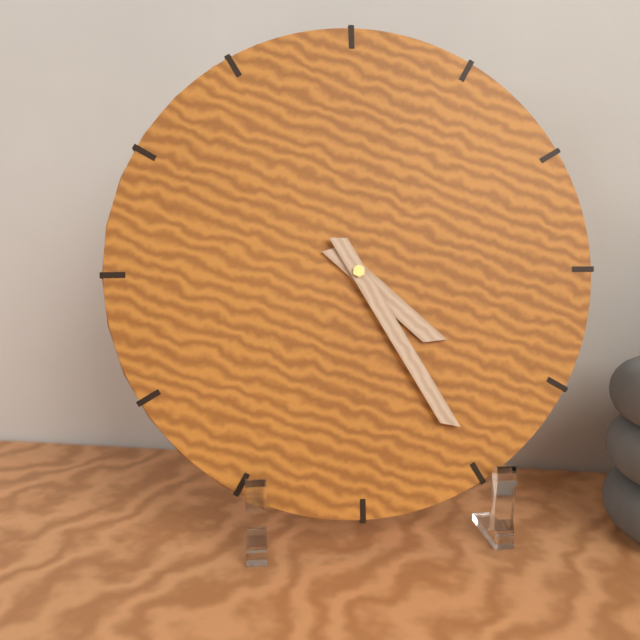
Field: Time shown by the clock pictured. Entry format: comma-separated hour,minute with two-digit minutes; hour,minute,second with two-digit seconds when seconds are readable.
4,25
